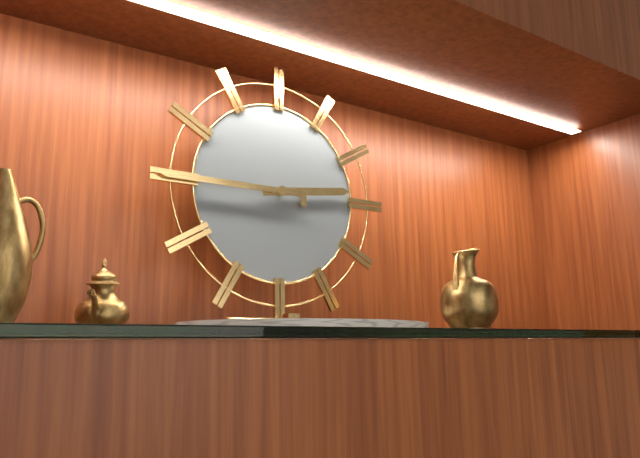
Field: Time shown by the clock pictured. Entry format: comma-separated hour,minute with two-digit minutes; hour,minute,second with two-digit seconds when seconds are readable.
2,45
